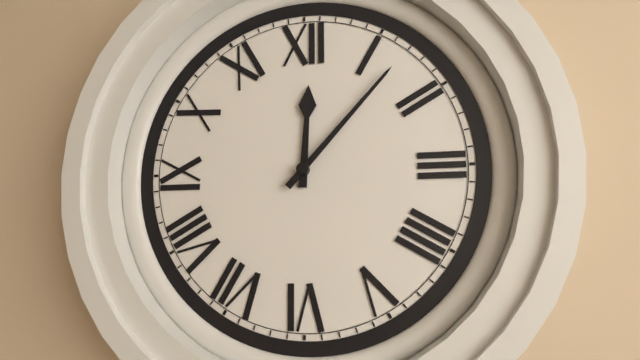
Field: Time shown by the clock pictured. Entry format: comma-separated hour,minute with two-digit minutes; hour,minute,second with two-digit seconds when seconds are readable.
12,07
